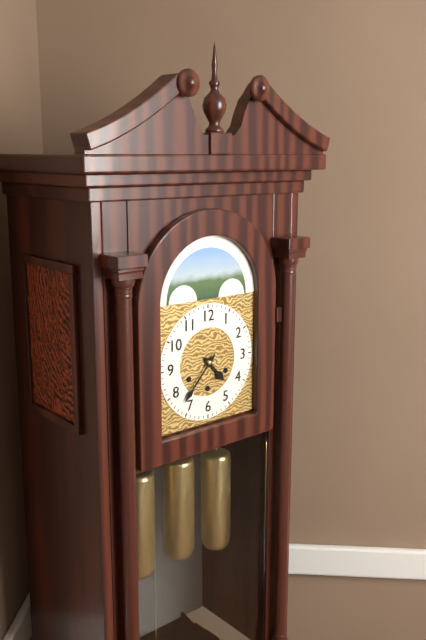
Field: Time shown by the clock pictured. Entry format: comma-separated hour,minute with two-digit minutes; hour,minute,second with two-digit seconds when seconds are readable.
4,37
